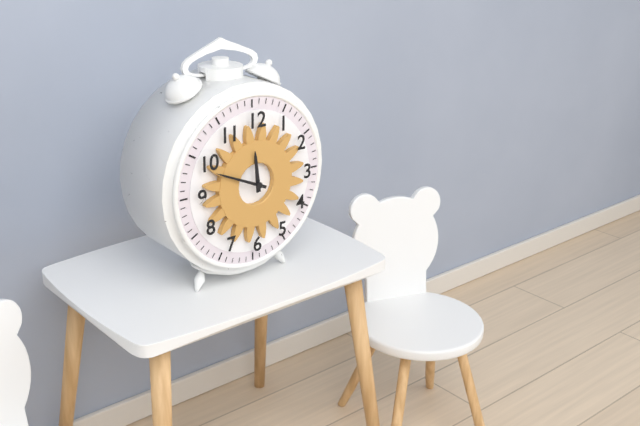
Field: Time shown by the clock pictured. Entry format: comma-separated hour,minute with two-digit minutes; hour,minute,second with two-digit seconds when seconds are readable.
11,49
